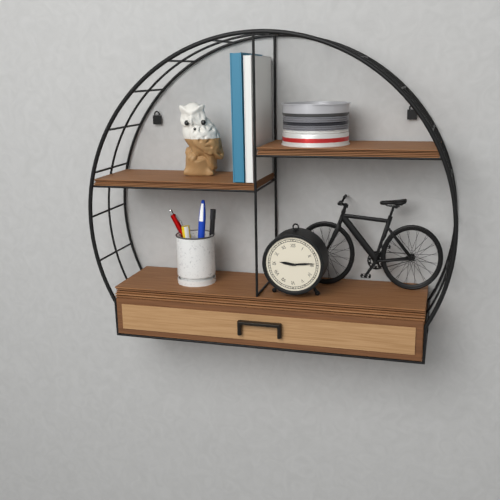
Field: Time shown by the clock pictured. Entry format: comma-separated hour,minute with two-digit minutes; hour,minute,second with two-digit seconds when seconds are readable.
9,14
